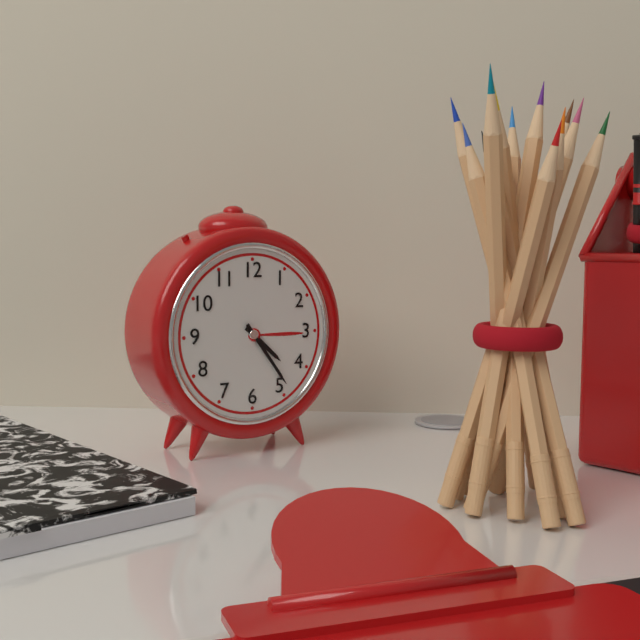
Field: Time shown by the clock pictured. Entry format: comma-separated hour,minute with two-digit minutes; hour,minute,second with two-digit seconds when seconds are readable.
4,24
